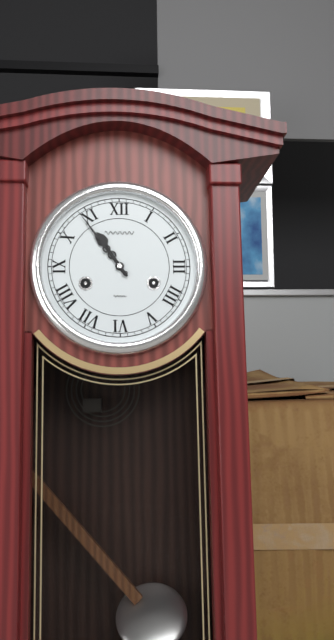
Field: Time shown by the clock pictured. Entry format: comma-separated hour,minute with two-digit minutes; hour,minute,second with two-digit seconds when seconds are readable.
10,54
